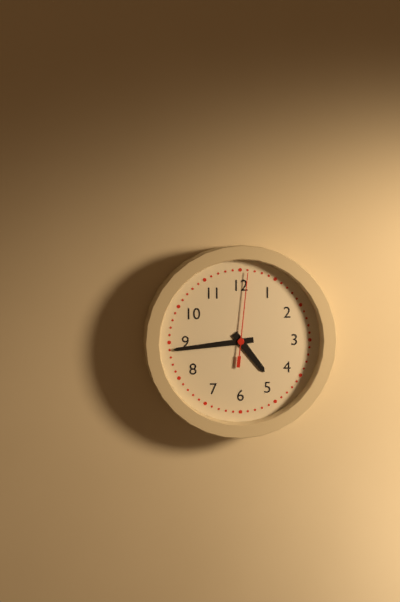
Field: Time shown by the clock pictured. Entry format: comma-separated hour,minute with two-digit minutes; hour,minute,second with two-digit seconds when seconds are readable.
4,44,01
